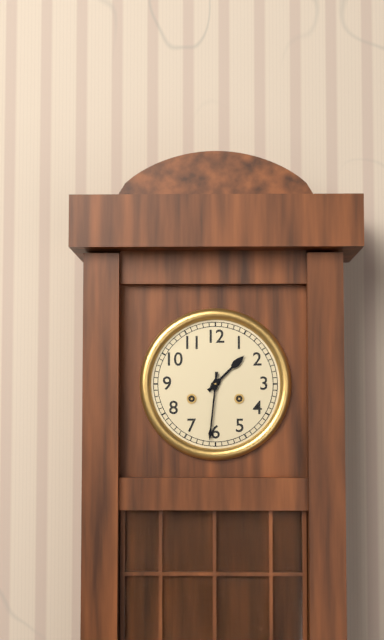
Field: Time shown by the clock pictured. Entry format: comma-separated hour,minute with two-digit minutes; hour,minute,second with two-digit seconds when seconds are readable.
1,31
